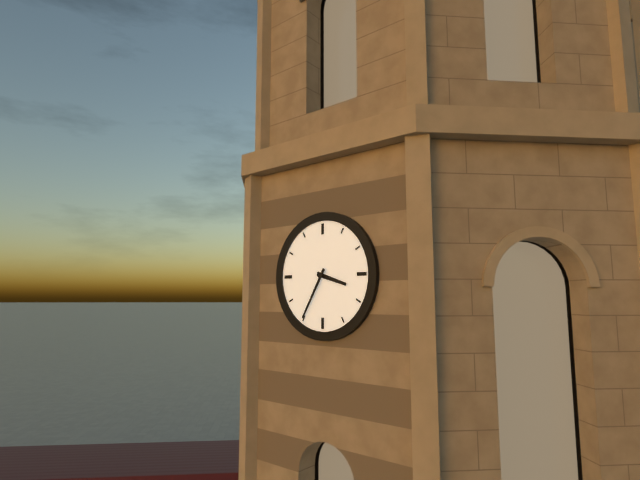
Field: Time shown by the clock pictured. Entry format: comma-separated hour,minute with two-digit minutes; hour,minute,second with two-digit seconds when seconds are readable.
3,35
